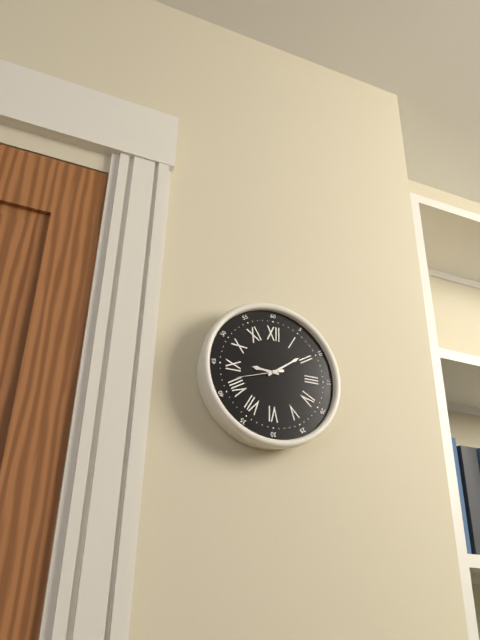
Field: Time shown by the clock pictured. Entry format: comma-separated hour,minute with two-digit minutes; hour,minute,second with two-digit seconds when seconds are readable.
9,09
